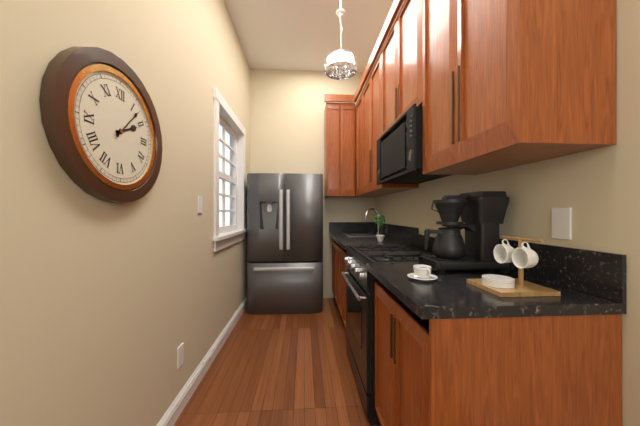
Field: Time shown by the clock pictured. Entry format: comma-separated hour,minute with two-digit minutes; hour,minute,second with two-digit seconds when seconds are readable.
2,07
